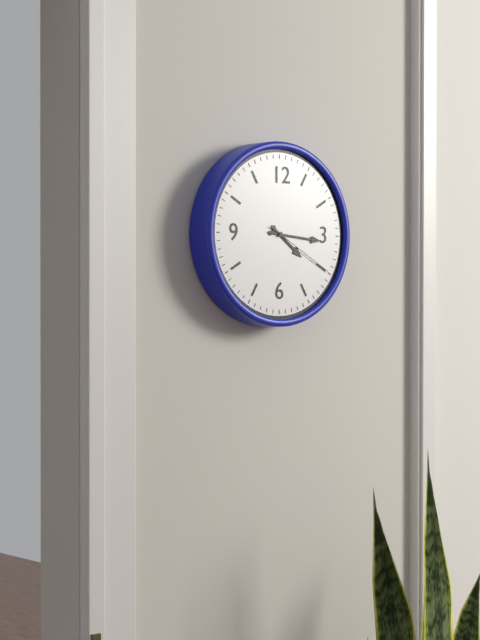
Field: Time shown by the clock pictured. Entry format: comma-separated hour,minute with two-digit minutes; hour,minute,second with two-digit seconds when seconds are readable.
4,16,20
